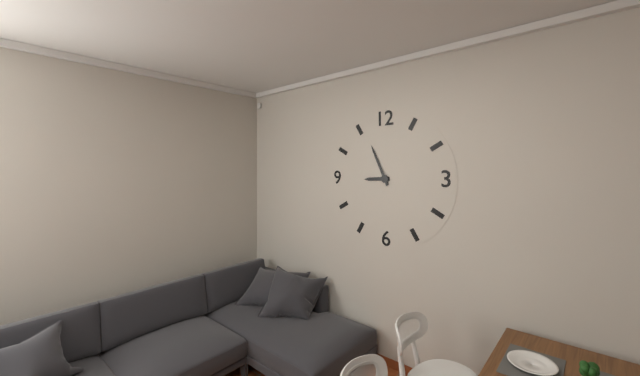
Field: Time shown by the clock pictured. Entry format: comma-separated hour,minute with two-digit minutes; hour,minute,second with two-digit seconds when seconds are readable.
8,56
